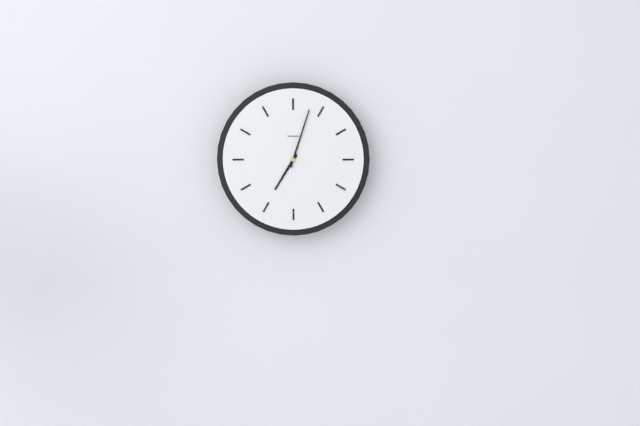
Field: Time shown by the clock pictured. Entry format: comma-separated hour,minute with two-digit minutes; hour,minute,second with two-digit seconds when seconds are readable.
7,03
